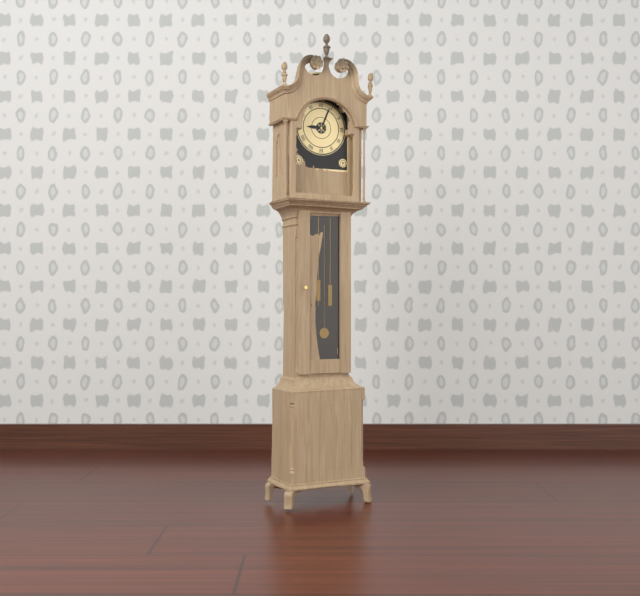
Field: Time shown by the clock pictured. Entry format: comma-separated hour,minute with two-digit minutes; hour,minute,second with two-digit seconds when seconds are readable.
9,04
